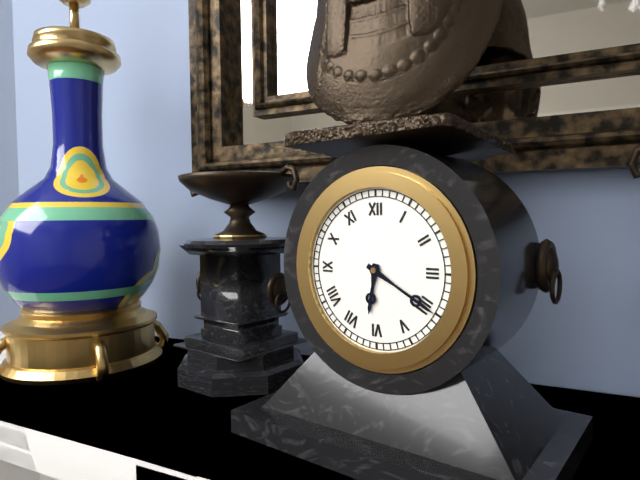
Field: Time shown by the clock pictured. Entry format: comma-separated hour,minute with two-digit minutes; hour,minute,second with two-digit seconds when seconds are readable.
6,20
